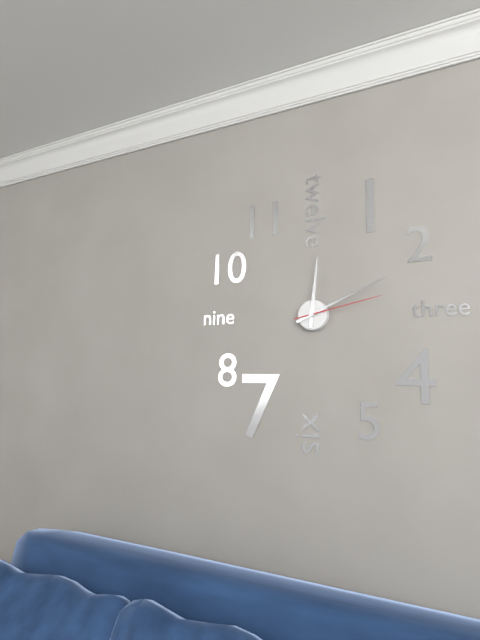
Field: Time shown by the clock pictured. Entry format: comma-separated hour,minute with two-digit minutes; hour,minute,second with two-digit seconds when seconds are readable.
12,11,13
